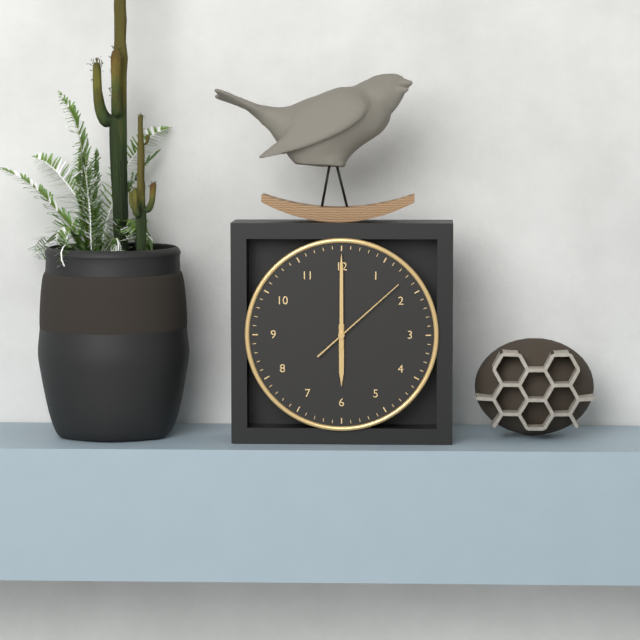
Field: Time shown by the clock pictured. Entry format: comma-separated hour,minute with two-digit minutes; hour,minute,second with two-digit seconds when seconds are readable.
6,00,08
